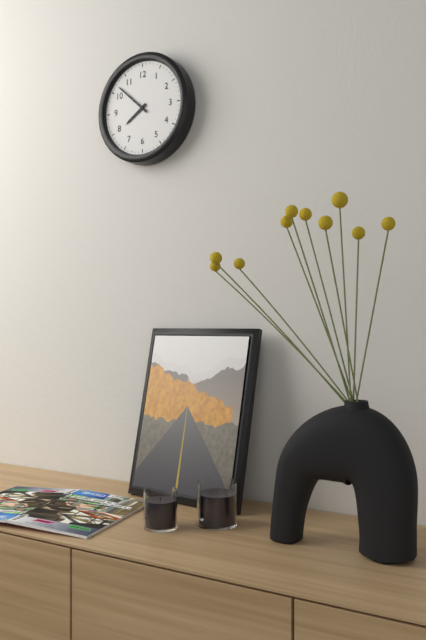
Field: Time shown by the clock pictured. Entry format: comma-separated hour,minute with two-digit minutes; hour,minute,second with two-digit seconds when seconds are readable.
7,52
